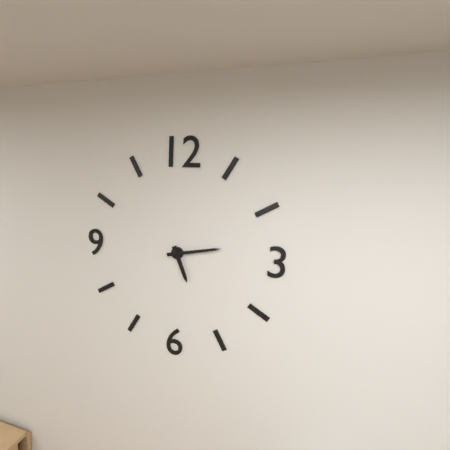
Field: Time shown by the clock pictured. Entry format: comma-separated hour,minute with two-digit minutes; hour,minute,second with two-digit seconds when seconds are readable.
5,13
